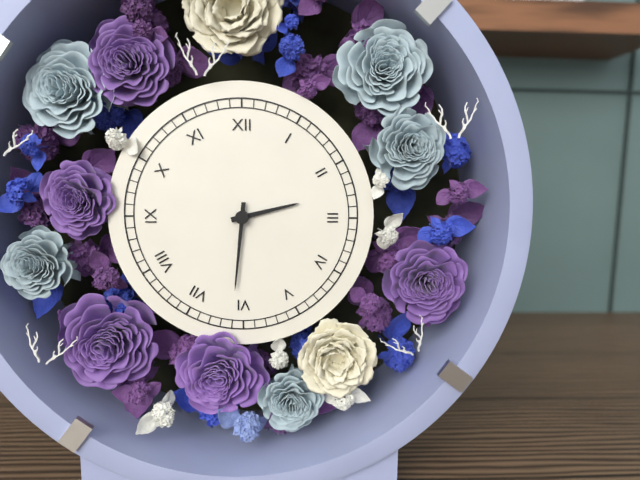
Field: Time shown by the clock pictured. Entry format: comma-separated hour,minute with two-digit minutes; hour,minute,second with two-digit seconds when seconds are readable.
2,31
